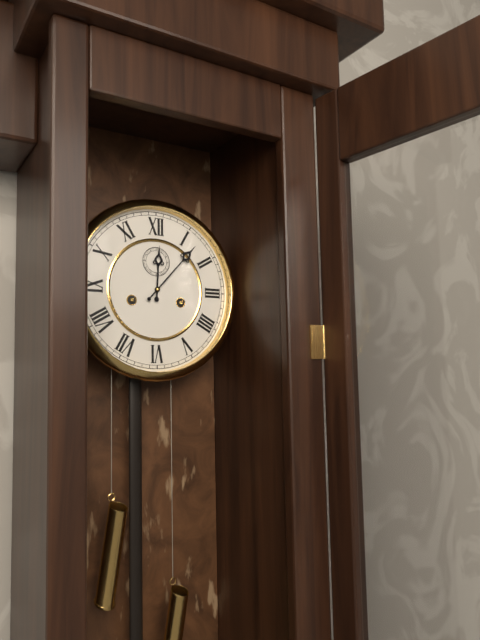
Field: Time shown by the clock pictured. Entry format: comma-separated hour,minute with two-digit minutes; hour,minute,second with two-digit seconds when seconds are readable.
12,07
